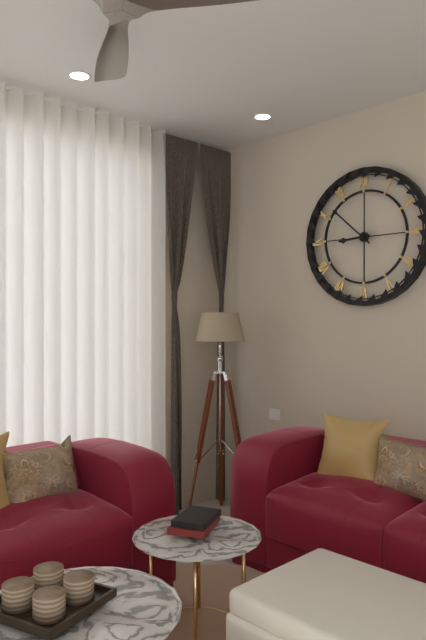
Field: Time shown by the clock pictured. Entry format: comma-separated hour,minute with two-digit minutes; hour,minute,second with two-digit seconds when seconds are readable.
8,52
